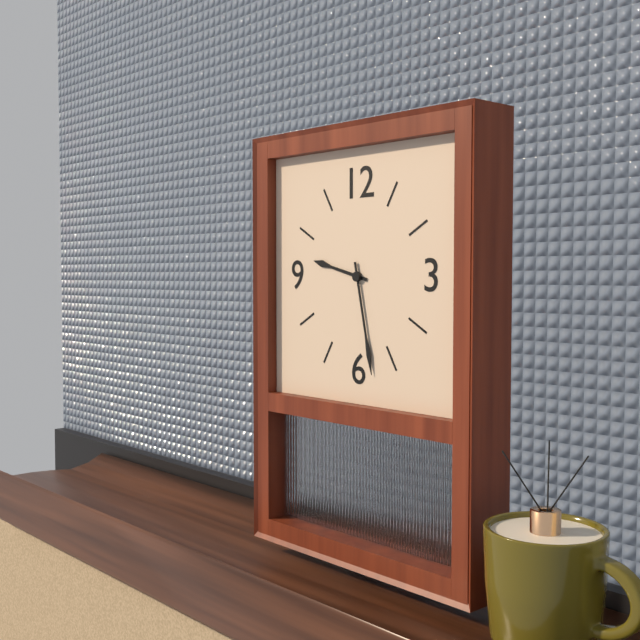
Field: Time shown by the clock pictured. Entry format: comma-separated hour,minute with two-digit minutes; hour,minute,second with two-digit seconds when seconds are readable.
9,28
